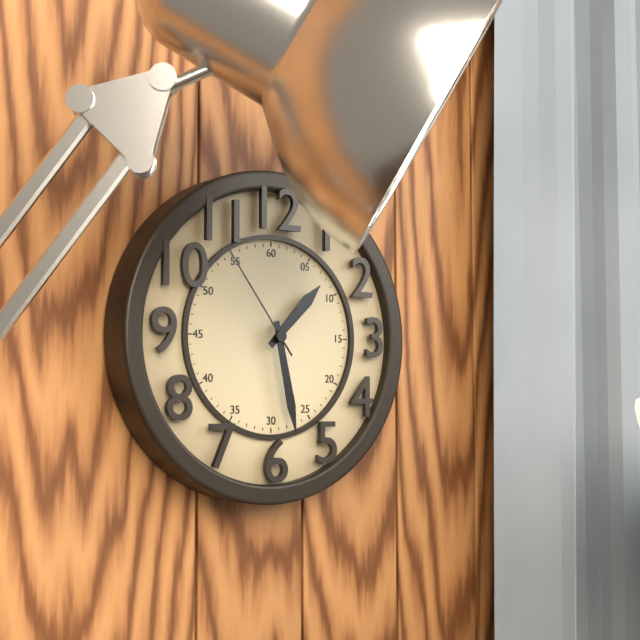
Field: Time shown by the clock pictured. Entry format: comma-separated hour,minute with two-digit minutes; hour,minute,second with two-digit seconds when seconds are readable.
1,28,54
